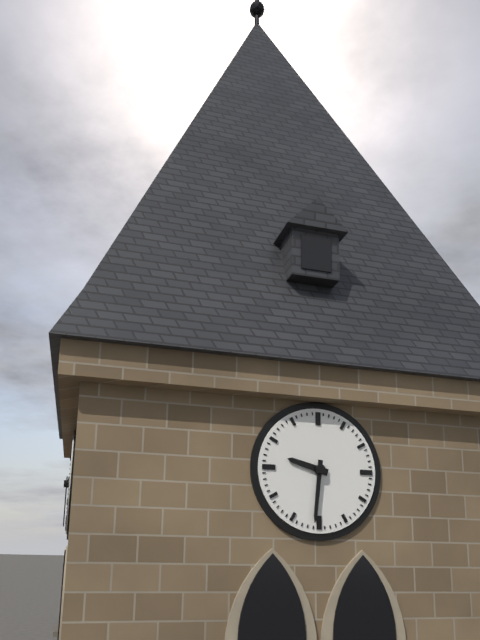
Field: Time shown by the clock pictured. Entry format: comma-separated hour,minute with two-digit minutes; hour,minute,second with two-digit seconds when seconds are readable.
9,31
